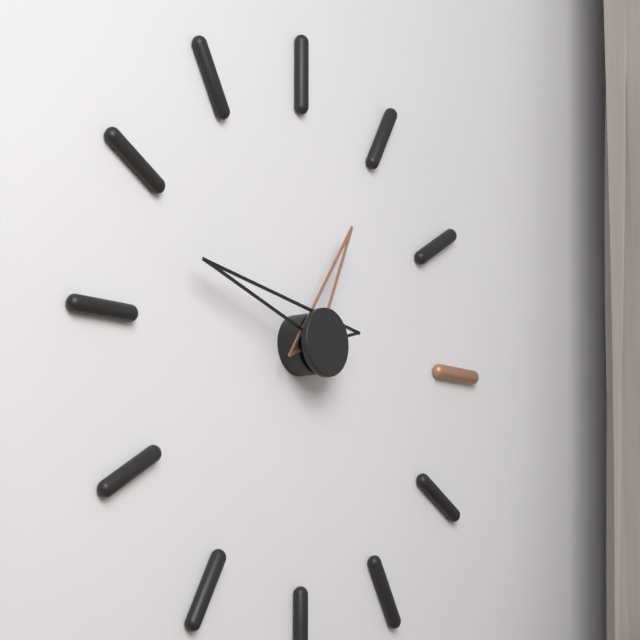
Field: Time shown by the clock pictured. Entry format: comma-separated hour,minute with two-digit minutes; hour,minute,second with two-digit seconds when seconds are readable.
12,48
